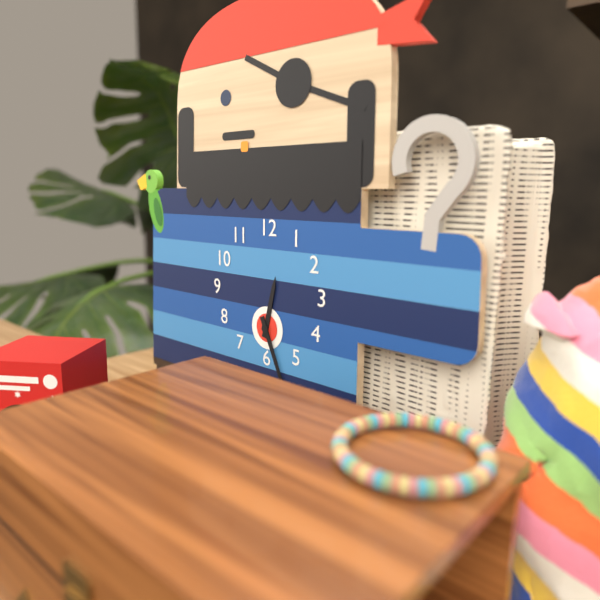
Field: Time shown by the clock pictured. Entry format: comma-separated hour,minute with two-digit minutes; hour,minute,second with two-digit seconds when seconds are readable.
12,26
